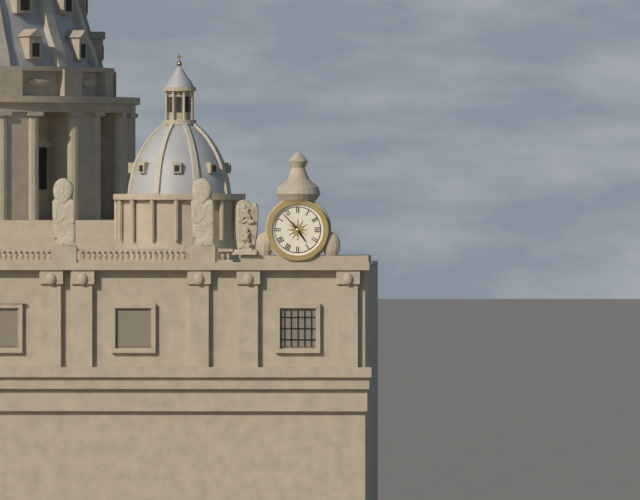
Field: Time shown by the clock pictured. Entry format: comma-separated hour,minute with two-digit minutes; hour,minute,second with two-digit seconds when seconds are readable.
4,53
